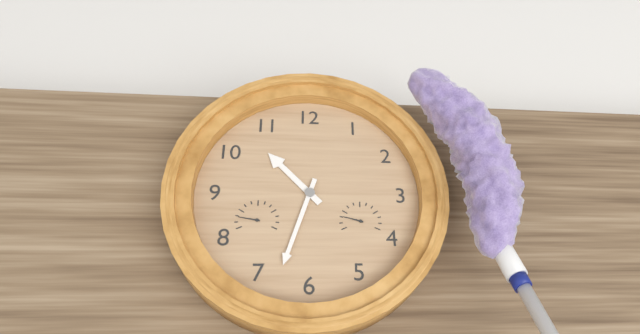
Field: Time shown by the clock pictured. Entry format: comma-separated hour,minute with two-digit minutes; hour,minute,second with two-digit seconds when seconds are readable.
10,33
